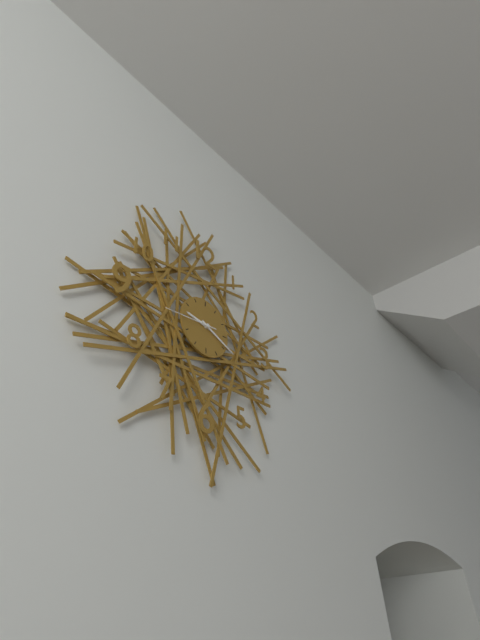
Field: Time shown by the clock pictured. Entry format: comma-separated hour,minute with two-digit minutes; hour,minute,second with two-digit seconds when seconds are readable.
9,19
